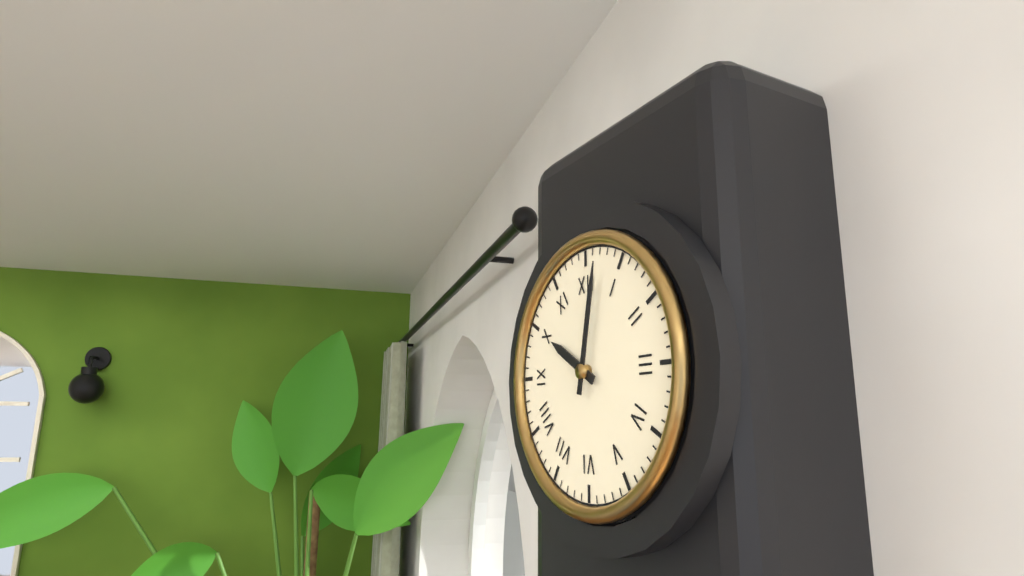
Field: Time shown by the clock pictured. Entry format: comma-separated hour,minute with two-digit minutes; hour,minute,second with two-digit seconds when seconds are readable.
10,02
